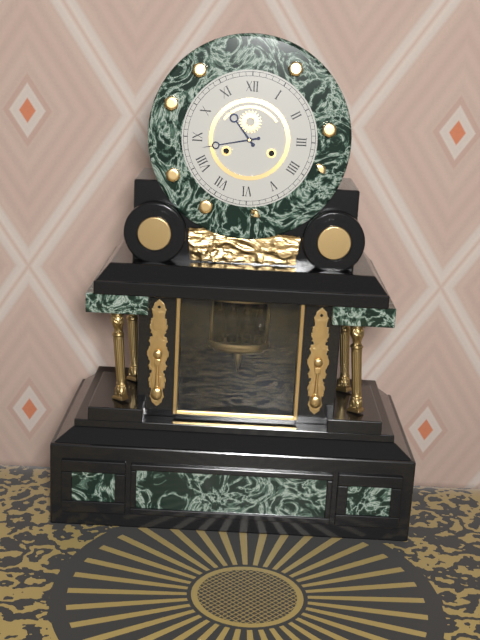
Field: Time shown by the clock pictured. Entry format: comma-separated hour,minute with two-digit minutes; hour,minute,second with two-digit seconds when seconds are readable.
10,43
